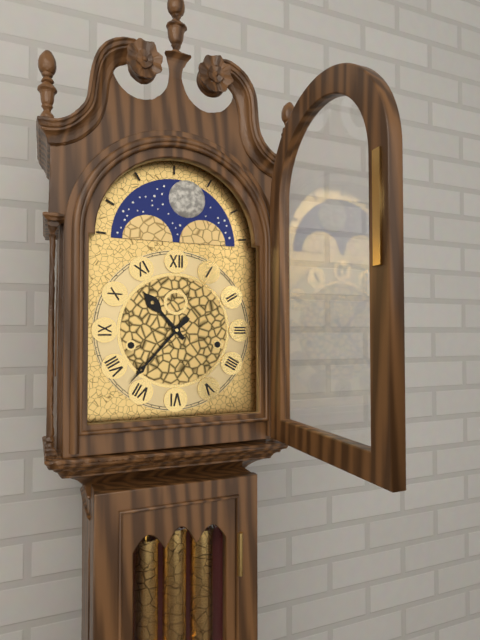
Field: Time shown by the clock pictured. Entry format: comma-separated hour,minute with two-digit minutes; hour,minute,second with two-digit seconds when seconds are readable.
10,37
